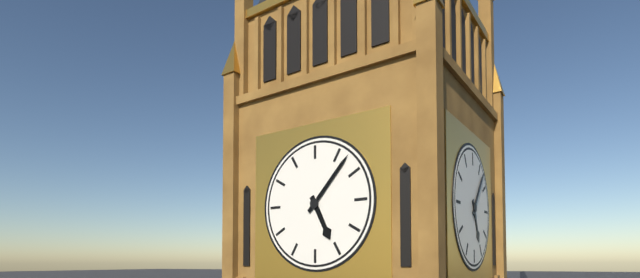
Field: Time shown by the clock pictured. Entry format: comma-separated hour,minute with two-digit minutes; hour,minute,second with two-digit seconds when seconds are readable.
5,07
